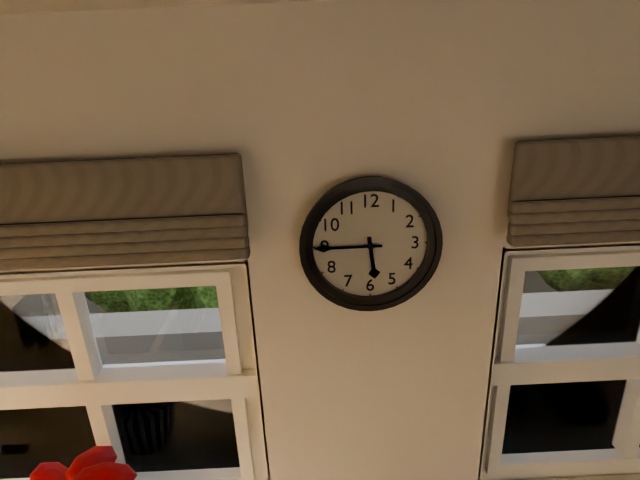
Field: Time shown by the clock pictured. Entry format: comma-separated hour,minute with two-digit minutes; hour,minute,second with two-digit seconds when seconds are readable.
5,45
